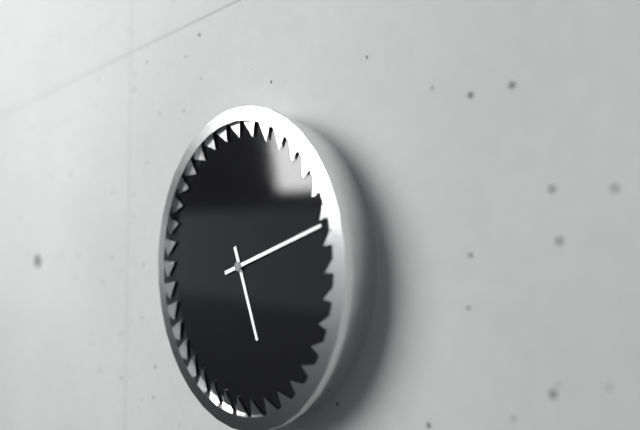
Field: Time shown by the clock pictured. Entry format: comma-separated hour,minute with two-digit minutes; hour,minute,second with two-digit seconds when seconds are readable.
5,12
